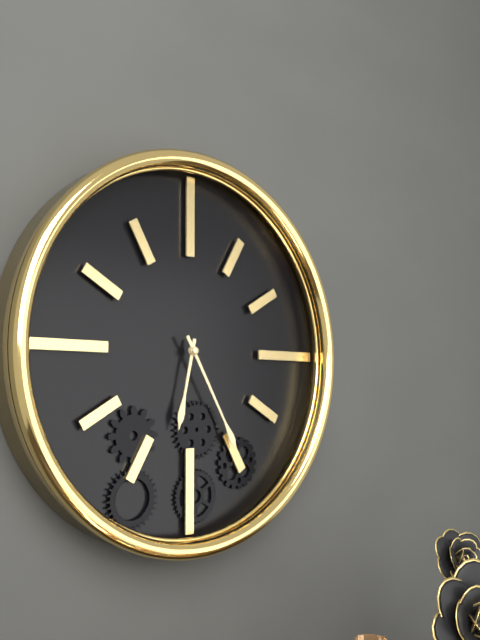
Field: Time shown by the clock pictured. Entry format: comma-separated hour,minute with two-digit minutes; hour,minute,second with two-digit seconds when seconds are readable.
6,25
